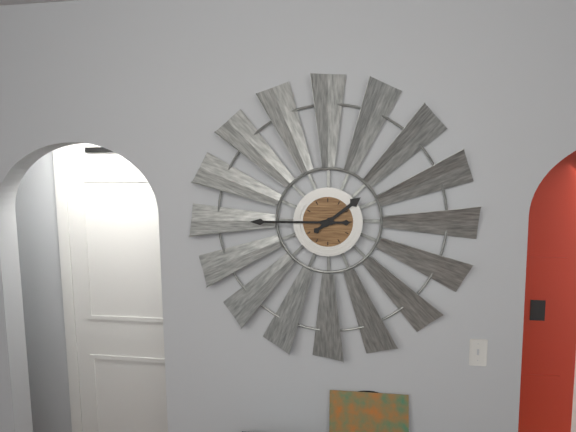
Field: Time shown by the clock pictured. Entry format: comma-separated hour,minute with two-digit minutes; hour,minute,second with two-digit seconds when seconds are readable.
1,45
